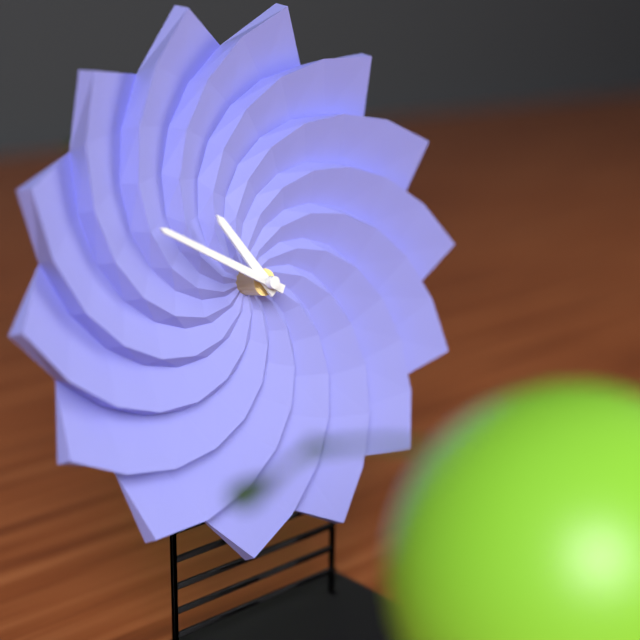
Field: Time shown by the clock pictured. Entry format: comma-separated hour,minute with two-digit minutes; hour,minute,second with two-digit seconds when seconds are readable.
10,50
